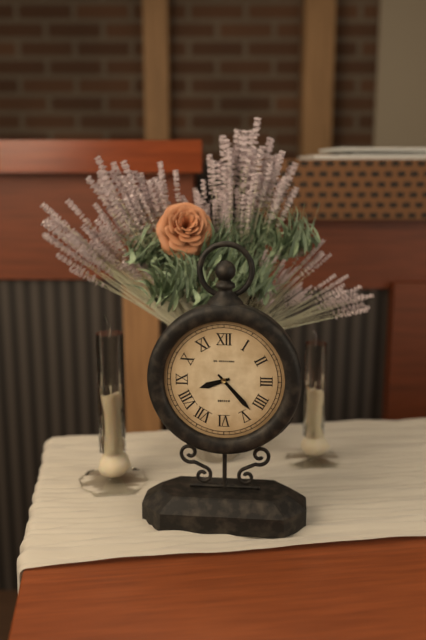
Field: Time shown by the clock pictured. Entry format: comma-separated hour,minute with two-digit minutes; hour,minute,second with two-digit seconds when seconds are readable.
8,23
